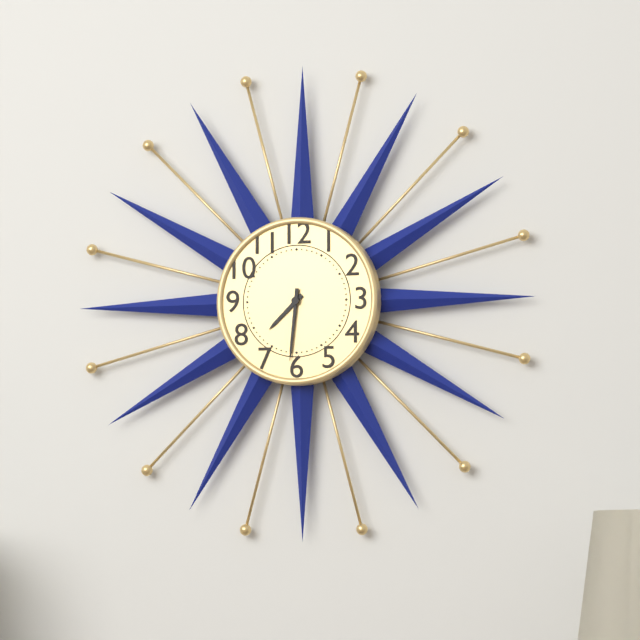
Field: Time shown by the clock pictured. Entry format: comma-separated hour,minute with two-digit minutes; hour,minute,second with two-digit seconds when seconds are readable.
7,31
